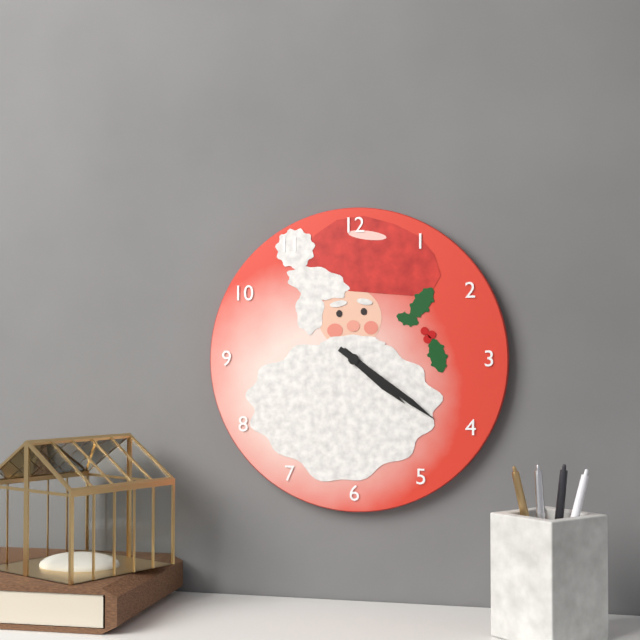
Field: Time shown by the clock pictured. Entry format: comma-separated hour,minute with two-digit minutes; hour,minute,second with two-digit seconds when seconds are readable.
4,21
